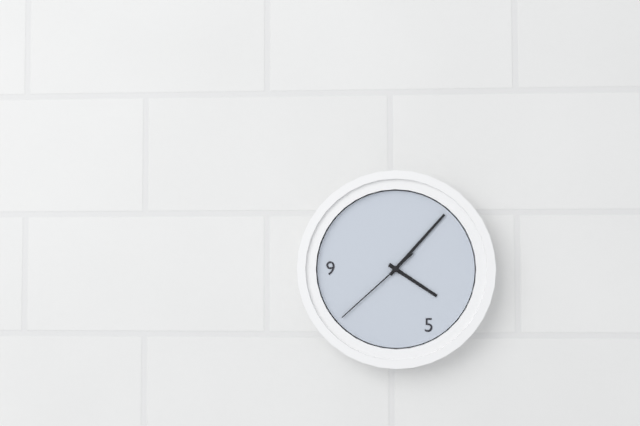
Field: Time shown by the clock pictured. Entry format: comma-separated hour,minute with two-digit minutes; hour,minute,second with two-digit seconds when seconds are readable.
4,07,38
